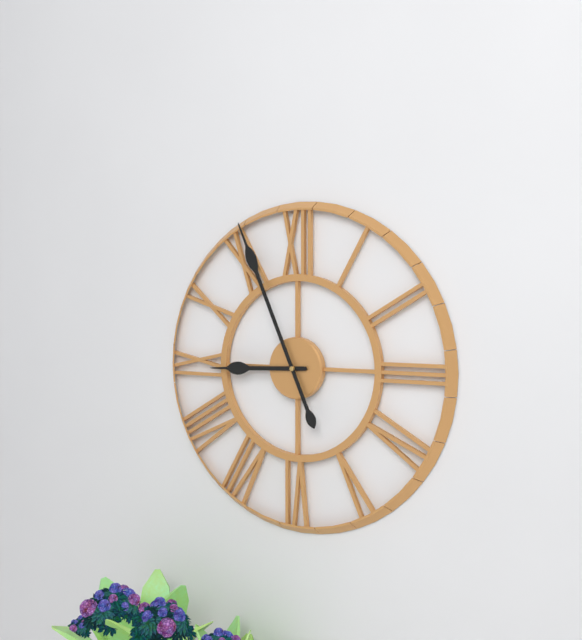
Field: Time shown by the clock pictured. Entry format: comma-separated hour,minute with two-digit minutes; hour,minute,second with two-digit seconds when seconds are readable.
8,56
